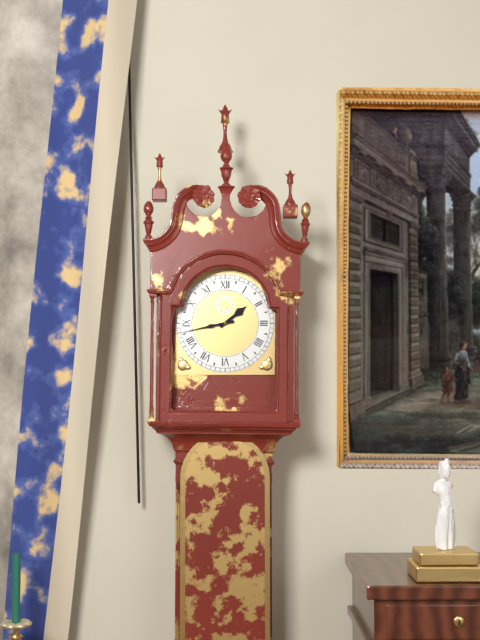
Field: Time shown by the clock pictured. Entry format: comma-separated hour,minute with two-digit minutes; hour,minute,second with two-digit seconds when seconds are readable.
1,43
